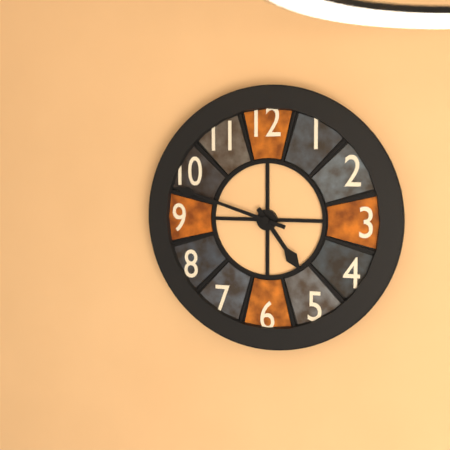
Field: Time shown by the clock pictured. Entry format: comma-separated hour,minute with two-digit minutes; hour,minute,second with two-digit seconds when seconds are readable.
4,48
